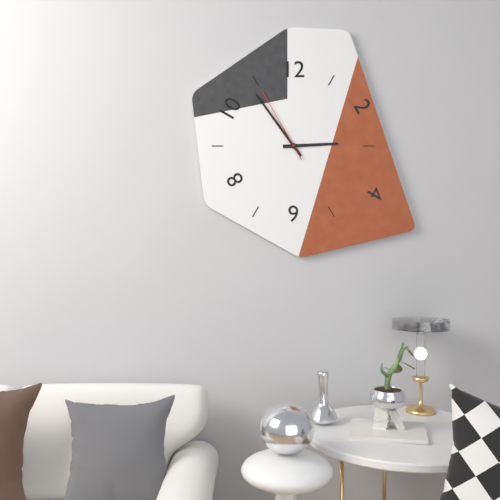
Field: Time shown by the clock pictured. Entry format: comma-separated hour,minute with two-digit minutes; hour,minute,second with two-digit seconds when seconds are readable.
2,54,55
